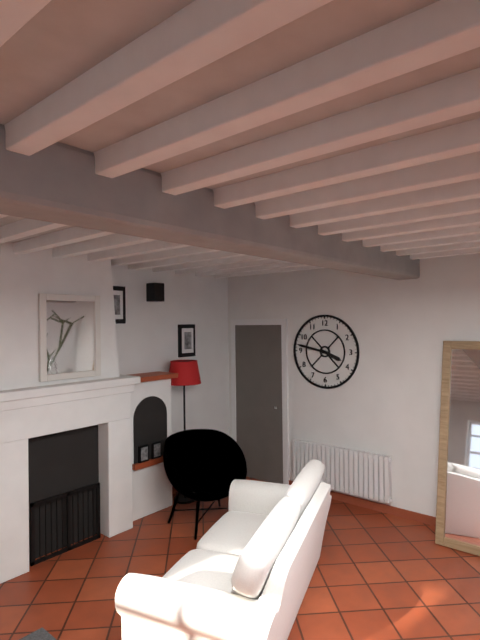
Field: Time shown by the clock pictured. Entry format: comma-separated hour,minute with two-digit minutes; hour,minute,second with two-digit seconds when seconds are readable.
3,47
